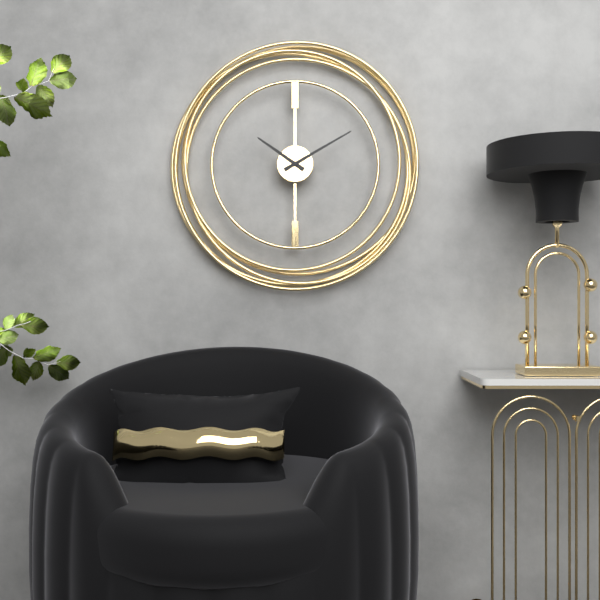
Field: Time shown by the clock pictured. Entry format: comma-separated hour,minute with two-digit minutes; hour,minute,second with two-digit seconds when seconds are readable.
10,10
